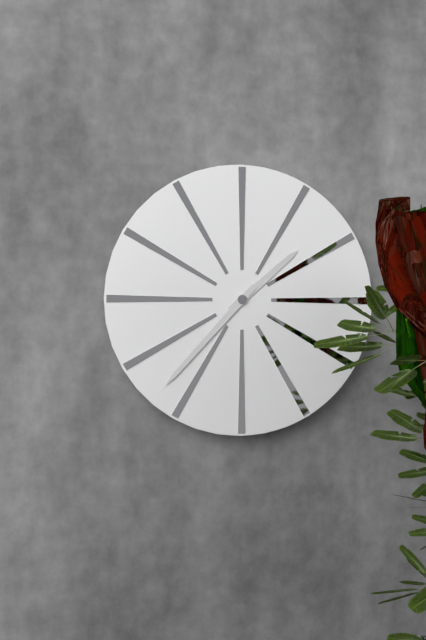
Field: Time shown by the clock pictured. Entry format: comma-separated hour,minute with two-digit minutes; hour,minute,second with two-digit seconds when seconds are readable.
1,37
